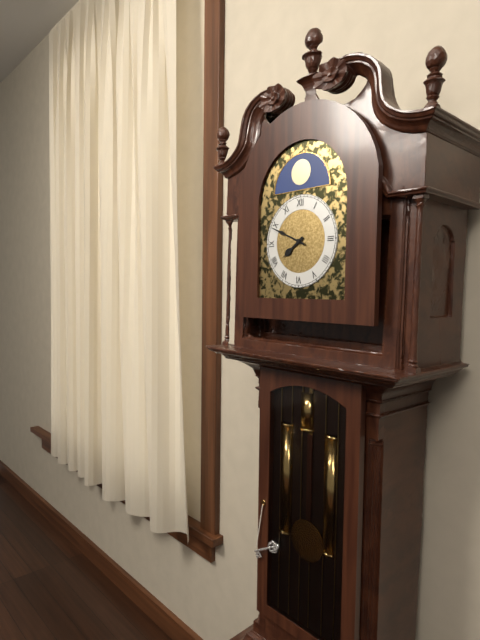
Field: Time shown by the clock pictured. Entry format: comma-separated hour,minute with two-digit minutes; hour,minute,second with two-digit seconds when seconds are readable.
7,49
